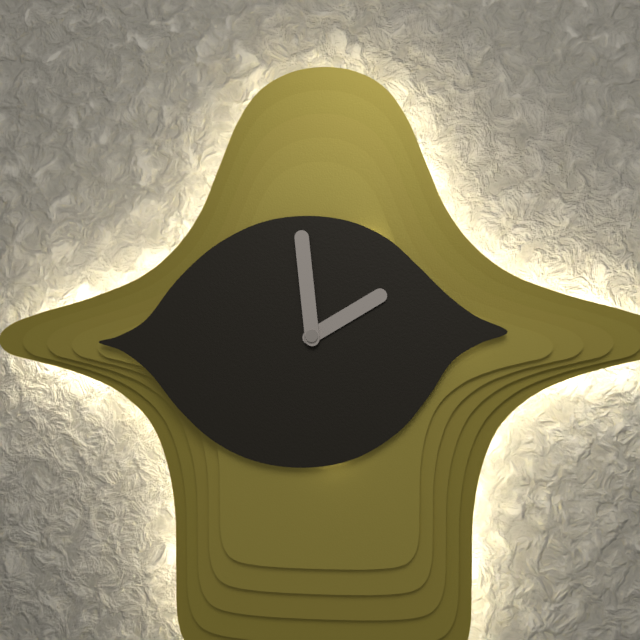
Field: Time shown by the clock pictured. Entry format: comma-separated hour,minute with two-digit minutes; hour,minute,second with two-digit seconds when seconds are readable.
1,59
